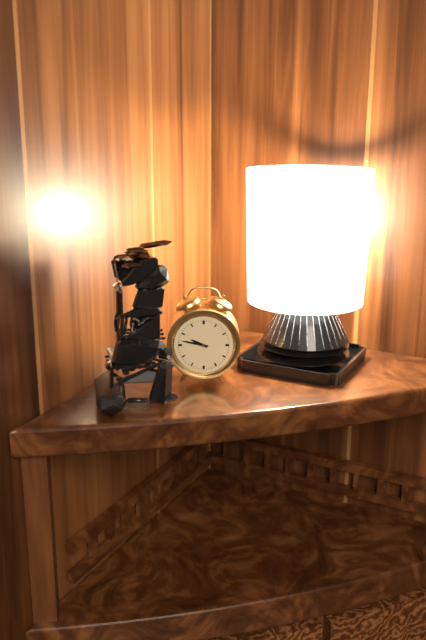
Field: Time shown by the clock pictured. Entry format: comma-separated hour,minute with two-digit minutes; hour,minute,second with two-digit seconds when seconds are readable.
9,47
